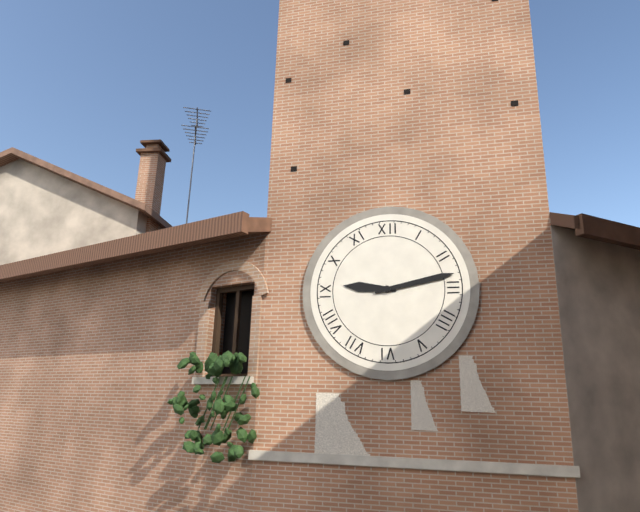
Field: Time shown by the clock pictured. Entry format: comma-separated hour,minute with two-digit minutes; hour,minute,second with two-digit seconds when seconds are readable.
9,13
